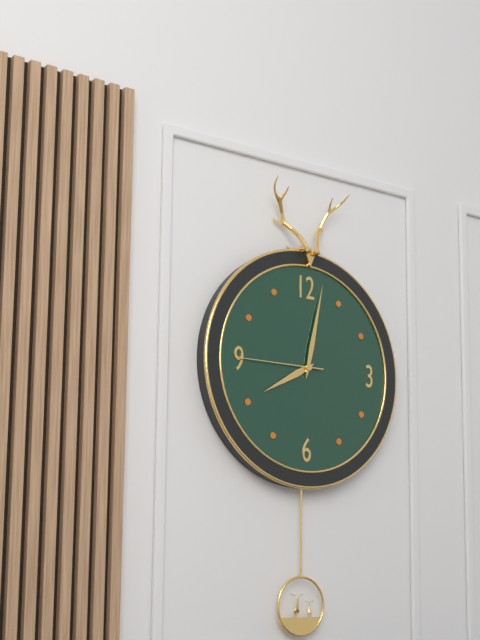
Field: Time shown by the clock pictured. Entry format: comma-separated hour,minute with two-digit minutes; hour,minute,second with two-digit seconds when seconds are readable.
8,02,45
